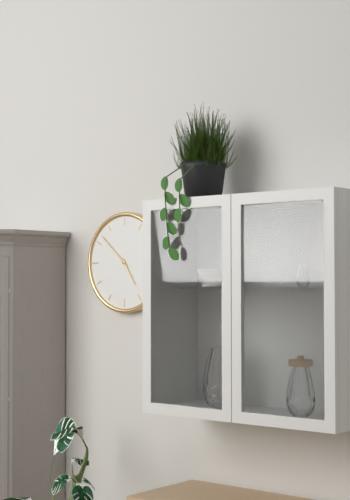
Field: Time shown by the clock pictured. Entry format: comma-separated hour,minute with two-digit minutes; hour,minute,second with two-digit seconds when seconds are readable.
4,52
